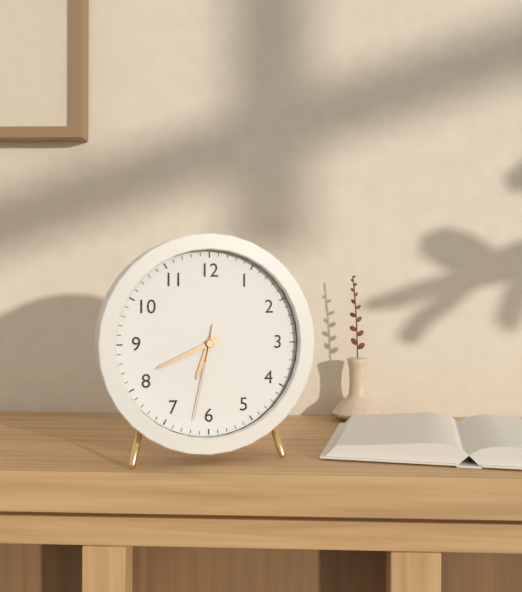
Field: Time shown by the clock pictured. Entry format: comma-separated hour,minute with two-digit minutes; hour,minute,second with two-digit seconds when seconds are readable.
6,41,32
